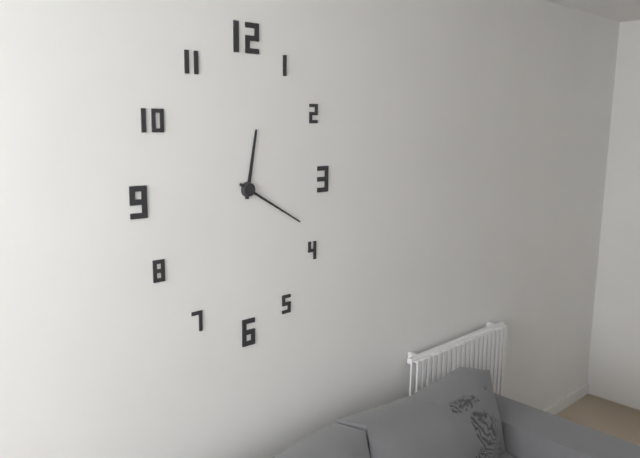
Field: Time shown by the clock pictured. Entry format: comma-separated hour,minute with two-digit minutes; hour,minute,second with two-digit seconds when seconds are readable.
12,20
